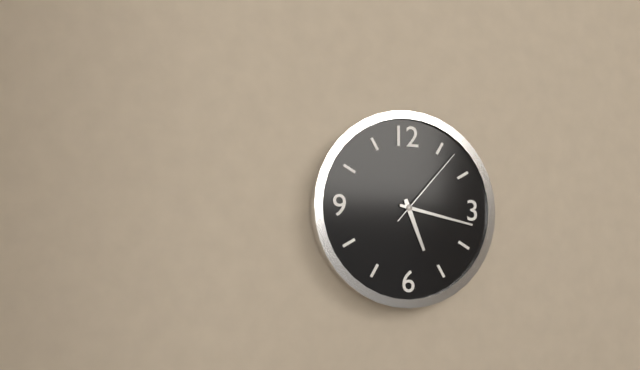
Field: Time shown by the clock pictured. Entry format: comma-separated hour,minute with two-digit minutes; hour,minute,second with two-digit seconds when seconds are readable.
5,17,07
